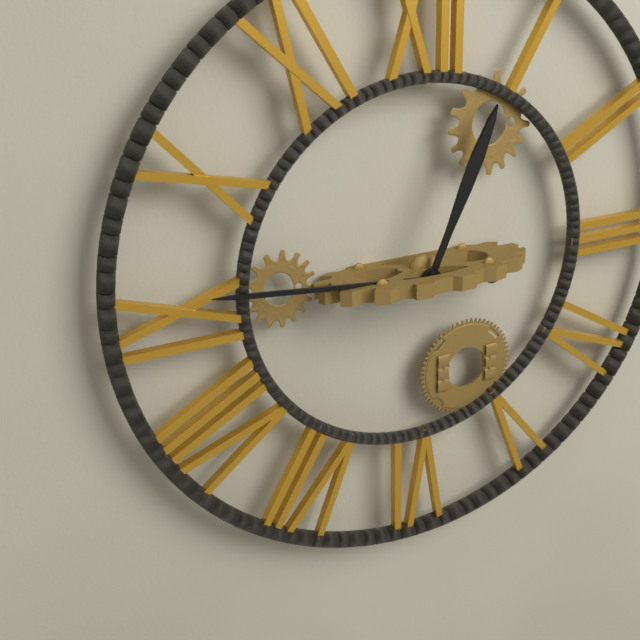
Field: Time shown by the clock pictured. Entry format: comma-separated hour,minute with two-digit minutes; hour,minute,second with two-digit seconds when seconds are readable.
12,46
